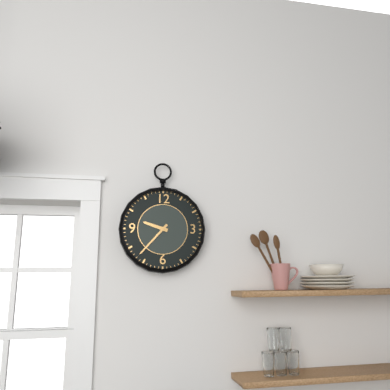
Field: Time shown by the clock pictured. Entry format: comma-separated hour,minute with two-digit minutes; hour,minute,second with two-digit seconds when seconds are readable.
9,37
